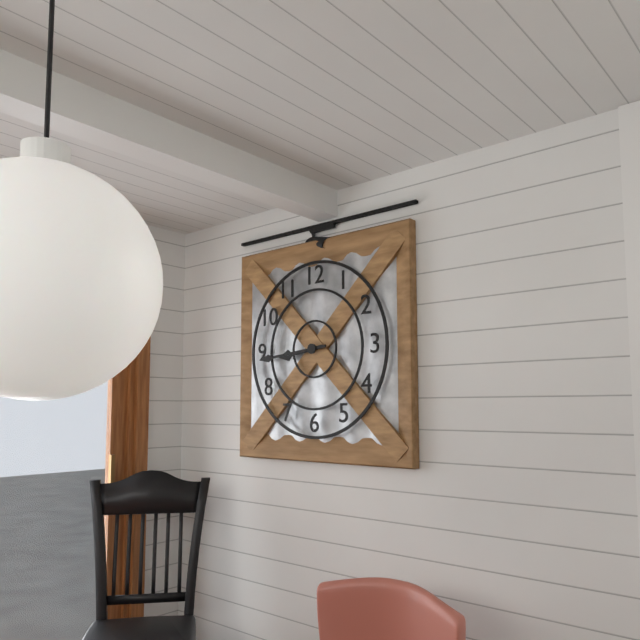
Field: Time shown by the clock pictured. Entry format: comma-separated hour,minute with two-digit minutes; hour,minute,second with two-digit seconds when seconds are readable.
8,44
